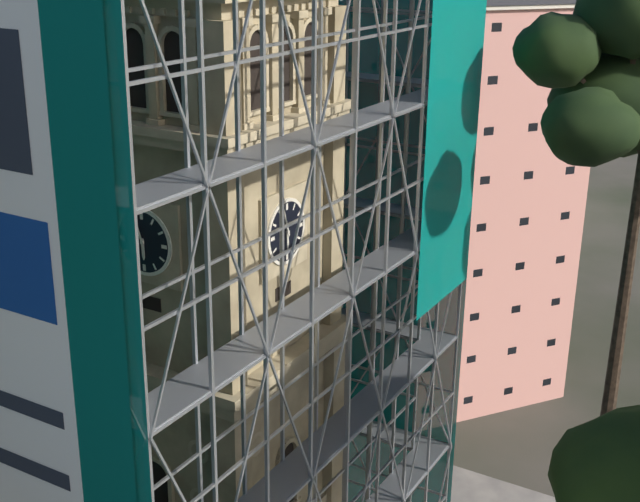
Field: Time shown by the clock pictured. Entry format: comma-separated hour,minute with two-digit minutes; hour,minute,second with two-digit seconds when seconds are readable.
5,57
